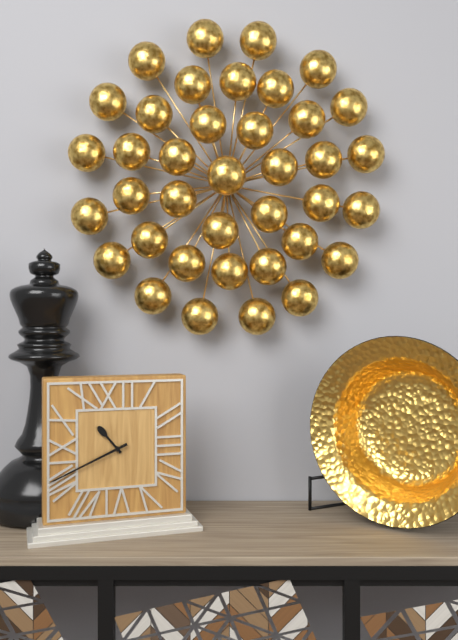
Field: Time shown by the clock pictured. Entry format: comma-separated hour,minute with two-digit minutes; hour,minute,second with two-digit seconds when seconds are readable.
10,41
